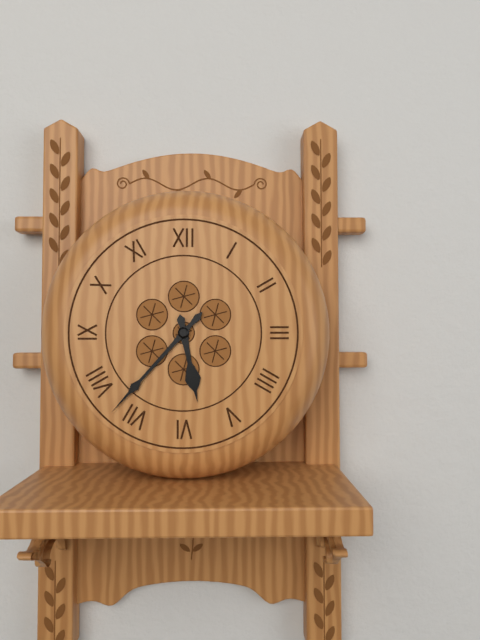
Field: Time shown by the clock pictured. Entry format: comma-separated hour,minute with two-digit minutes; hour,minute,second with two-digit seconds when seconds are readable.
5,37
